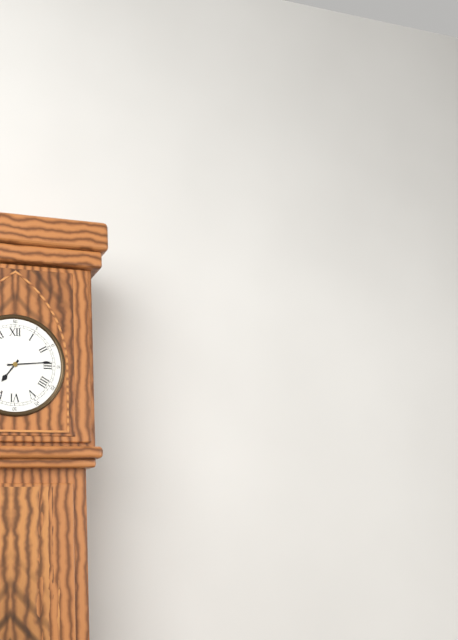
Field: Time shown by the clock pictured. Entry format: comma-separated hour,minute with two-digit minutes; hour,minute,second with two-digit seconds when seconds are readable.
7,14
